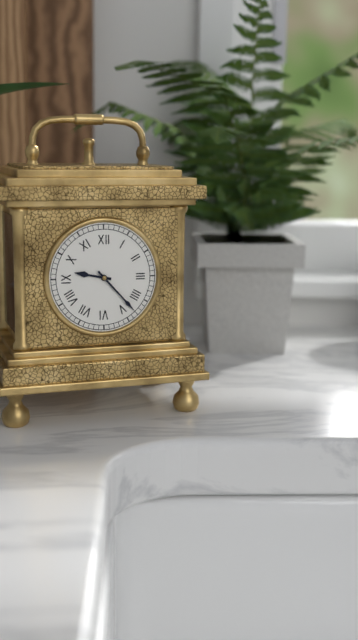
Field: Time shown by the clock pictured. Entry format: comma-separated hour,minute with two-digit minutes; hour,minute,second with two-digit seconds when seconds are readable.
9,23
